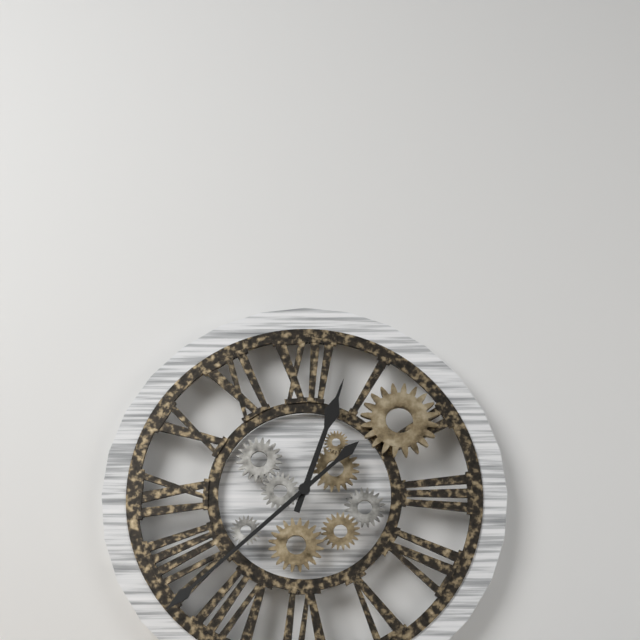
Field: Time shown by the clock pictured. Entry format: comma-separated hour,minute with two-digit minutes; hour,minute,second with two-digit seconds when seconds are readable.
12,38
